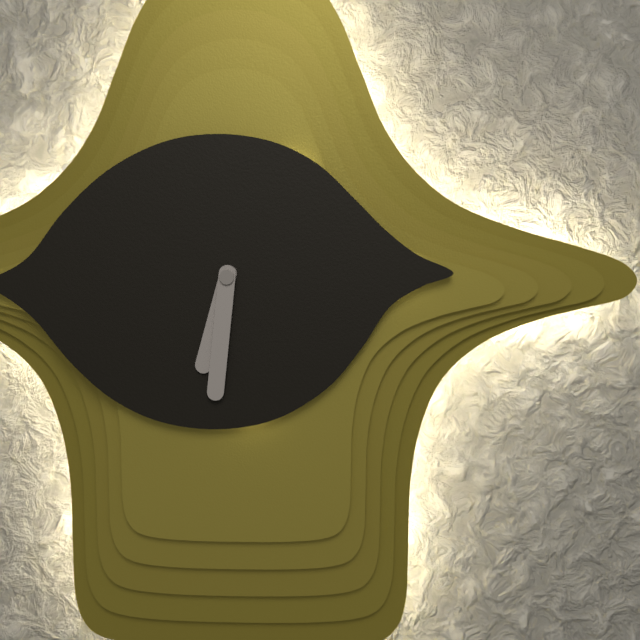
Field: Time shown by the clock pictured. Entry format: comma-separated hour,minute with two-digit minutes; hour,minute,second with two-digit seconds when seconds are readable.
6,31
